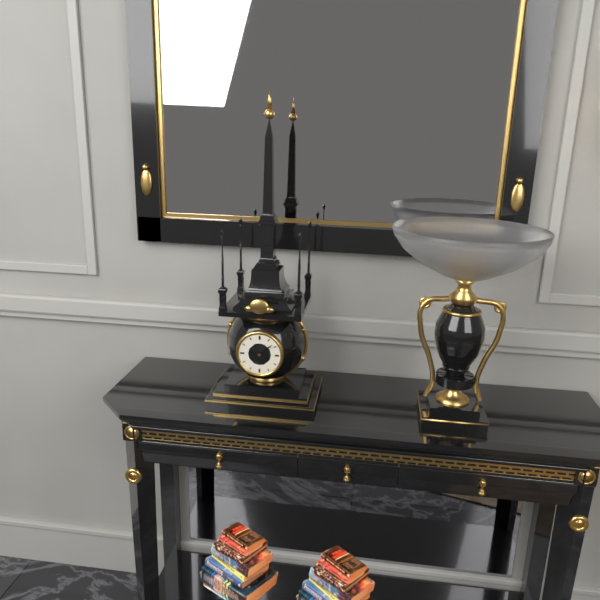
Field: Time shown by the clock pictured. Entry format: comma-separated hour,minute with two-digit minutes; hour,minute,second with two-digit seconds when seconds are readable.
11,08
